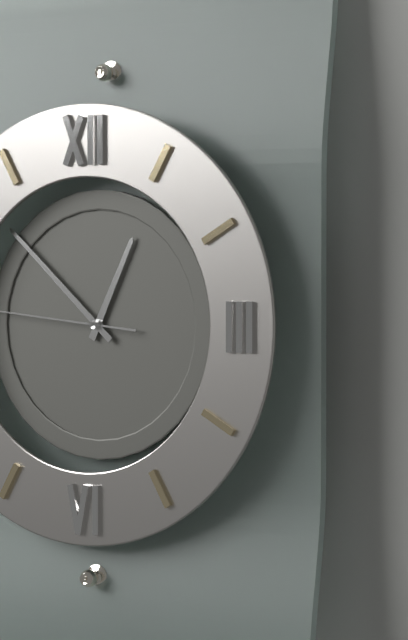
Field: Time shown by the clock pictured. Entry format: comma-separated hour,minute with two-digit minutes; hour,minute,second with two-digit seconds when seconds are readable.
12,52
